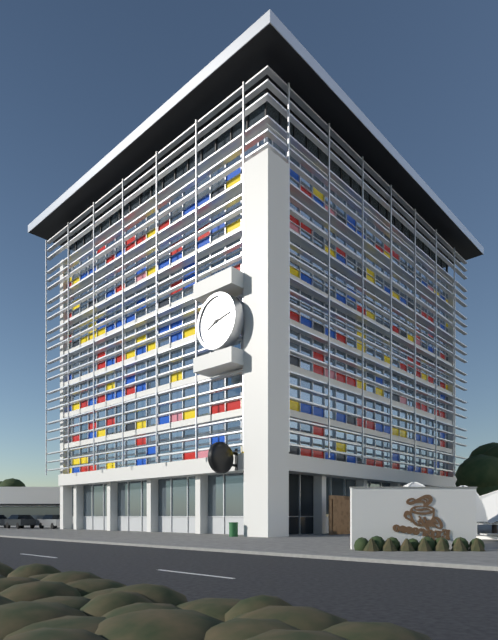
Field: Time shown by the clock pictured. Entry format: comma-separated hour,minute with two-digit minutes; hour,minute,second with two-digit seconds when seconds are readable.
8,13
